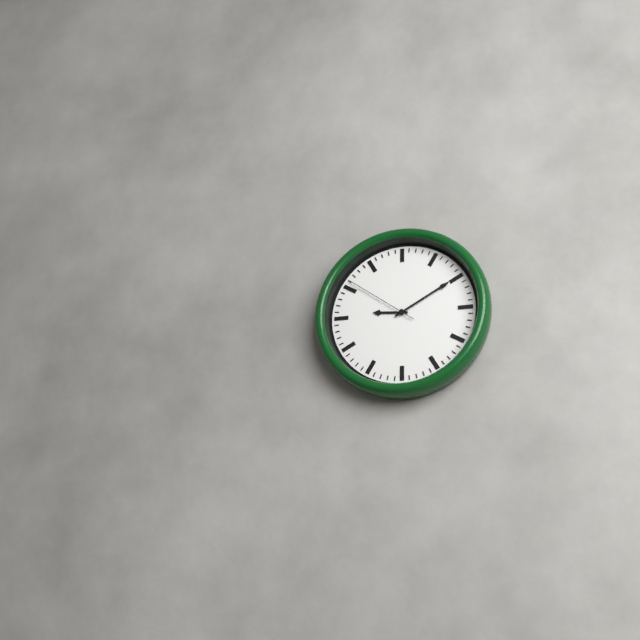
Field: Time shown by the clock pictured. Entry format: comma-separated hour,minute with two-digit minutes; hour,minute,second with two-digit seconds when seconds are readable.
9,10,51
